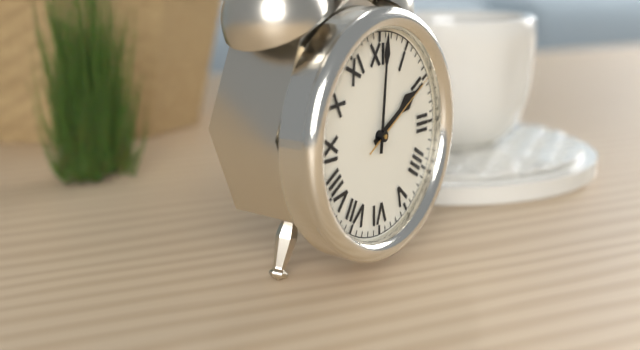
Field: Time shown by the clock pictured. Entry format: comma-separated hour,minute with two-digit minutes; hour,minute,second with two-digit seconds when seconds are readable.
2,01,10
